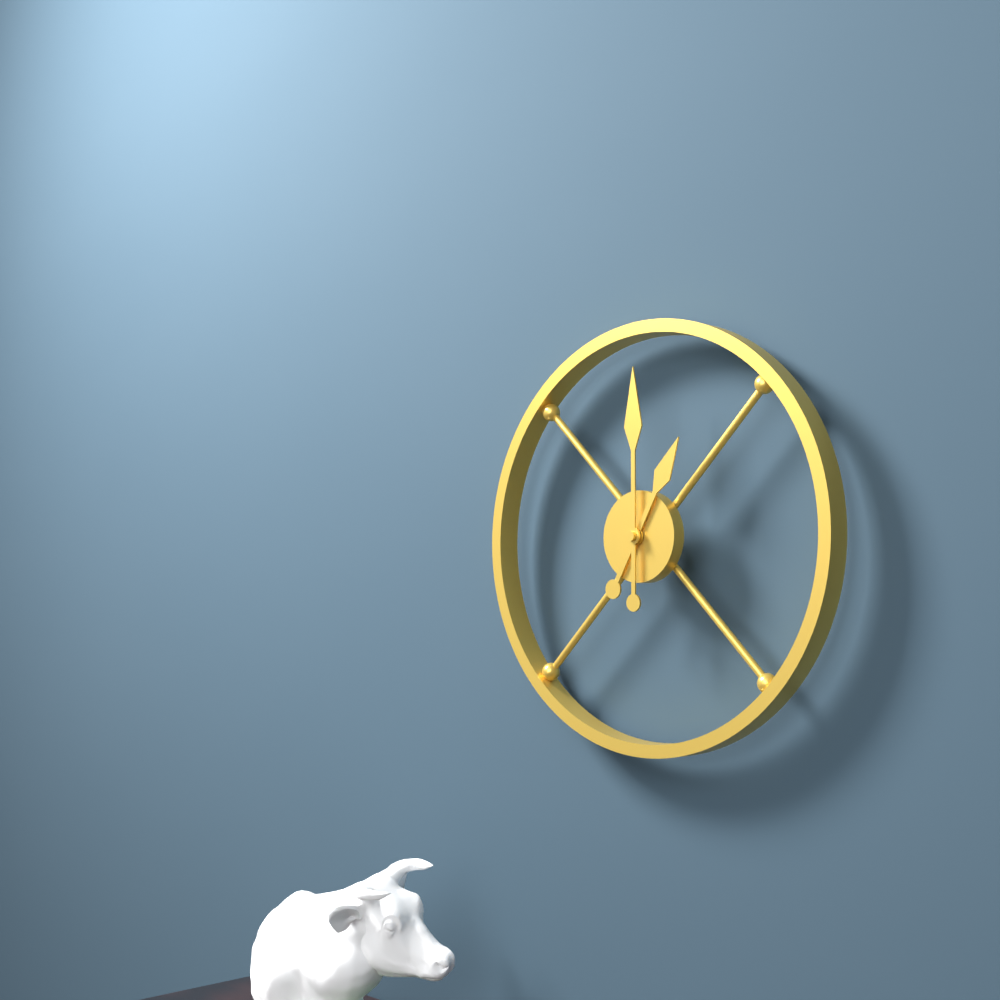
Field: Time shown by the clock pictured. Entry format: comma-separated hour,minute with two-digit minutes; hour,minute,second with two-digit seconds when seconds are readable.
1,00
